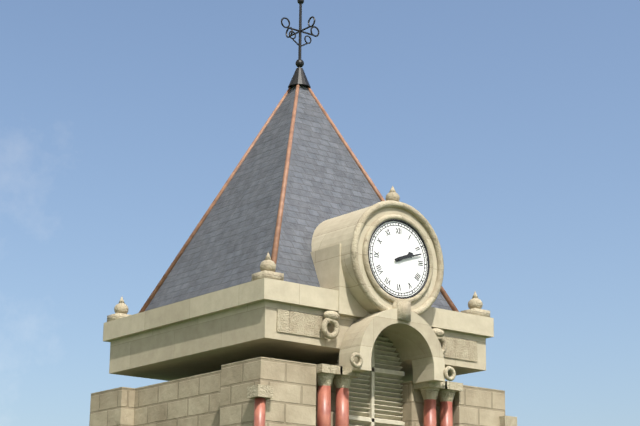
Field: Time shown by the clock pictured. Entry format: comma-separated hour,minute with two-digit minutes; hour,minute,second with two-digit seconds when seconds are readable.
2,12
